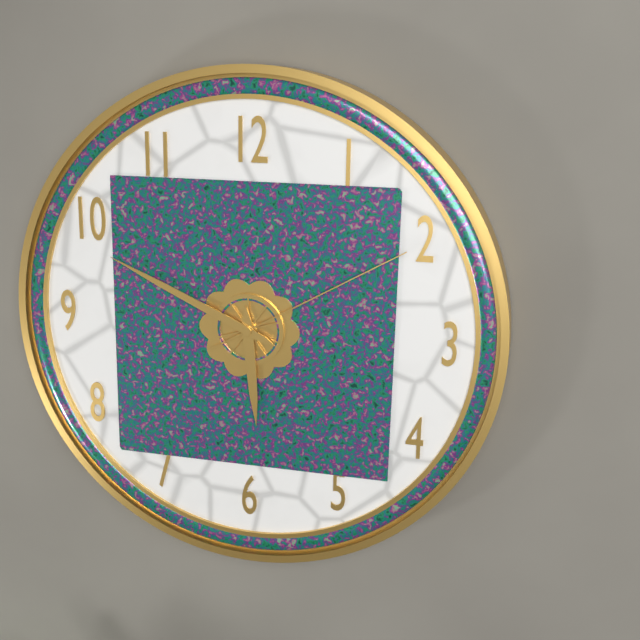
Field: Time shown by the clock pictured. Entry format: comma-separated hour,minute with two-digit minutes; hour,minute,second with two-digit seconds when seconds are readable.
5,49,10
